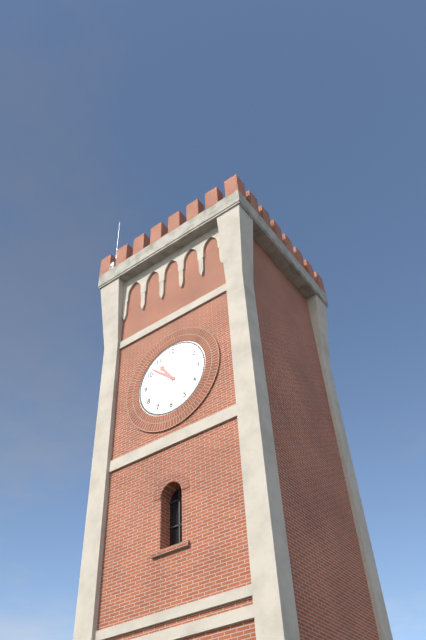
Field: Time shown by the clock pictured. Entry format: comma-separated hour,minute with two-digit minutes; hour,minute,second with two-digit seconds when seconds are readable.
10,52
